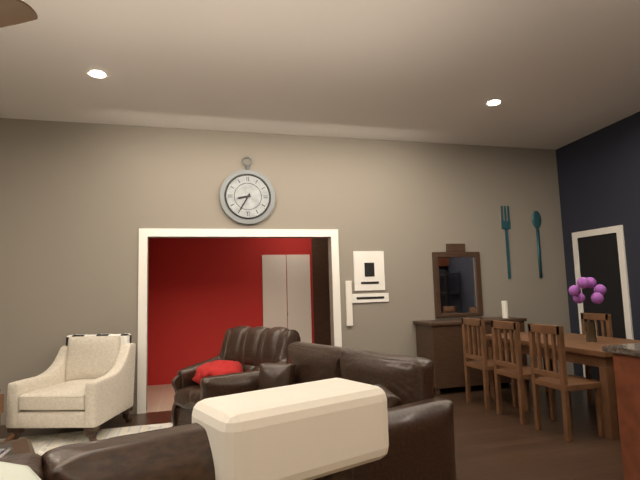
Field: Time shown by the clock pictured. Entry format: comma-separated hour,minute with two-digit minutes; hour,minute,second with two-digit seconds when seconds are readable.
8,35
